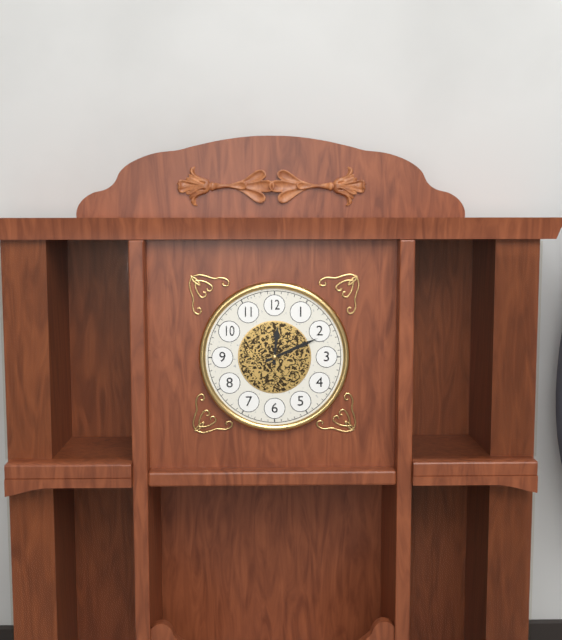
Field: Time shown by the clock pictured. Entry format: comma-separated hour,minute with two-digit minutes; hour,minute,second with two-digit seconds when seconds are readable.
12,11
